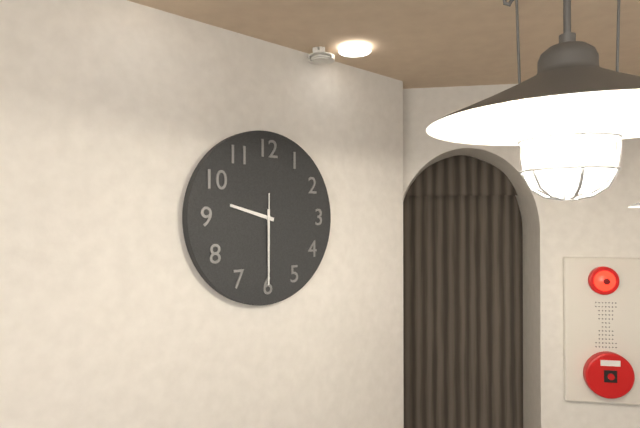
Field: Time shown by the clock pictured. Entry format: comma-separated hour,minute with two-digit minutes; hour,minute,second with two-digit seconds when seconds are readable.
9,30,30
